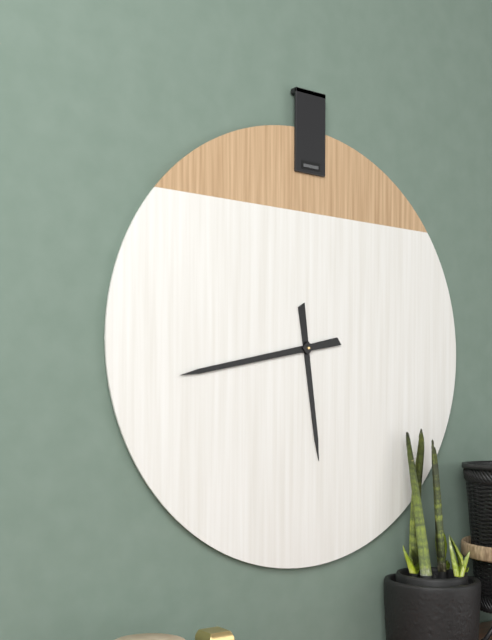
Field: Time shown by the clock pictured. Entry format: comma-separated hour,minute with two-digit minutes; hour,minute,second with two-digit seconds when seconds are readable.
5,43
